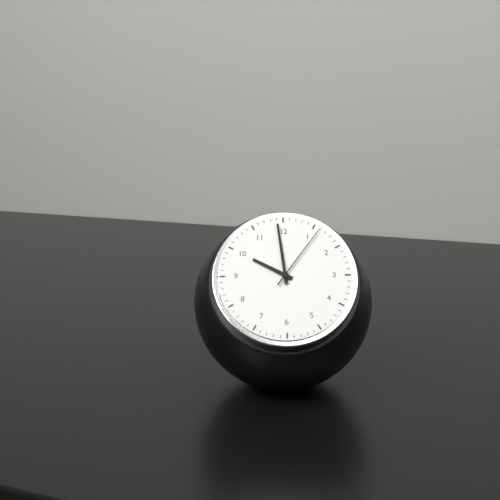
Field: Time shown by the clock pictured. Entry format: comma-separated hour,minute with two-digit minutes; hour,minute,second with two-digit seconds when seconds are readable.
9,59,06
